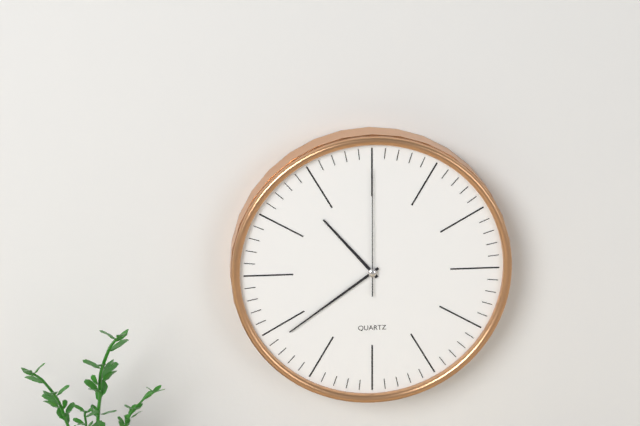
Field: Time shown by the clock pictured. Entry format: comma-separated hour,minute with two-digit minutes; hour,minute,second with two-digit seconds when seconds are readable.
10,39,00
